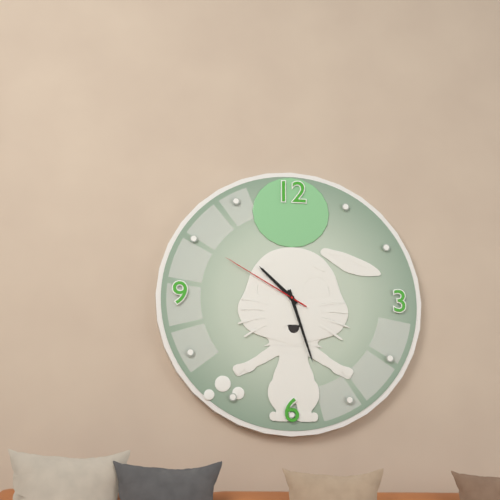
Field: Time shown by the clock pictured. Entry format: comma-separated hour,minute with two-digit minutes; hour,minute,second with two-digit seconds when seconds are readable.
10,27,50
